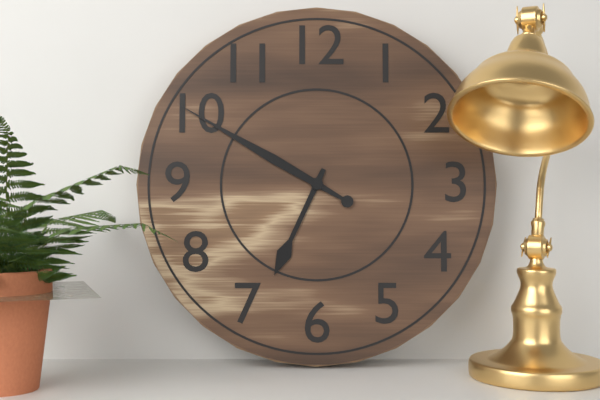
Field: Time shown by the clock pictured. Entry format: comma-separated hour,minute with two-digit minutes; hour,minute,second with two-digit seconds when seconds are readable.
6,50
